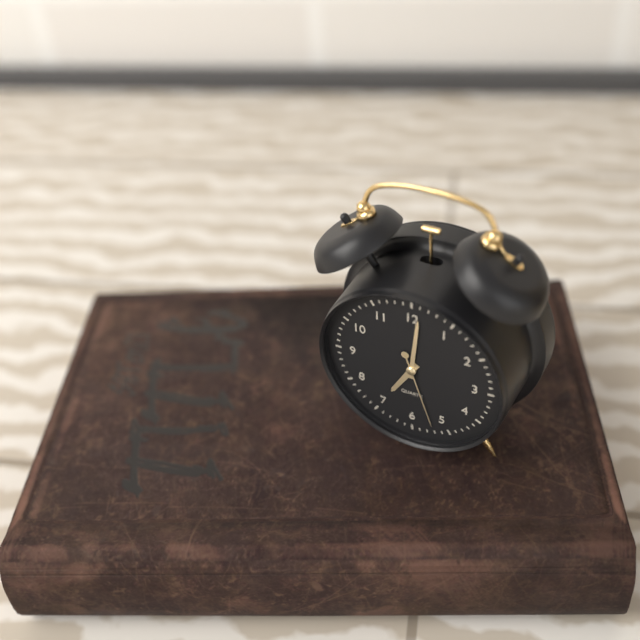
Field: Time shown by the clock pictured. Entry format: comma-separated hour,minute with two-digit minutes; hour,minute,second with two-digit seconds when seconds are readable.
7,01,27
